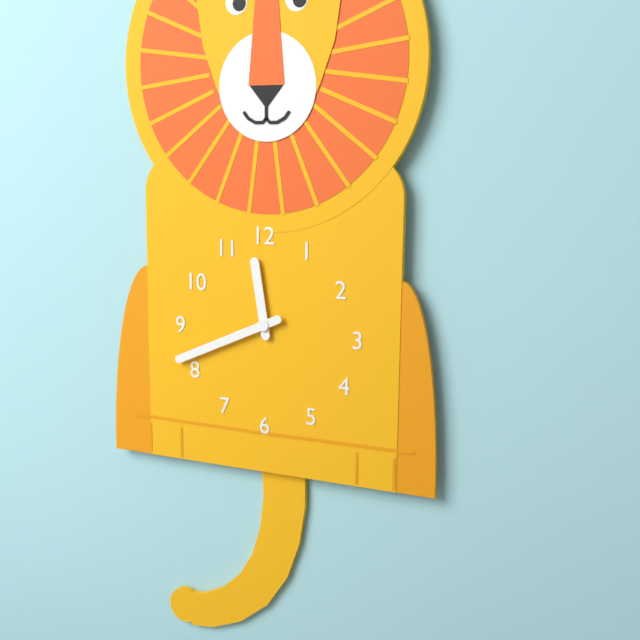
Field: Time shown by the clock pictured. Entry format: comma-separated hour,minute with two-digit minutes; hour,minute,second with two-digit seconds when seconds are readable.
11,41
